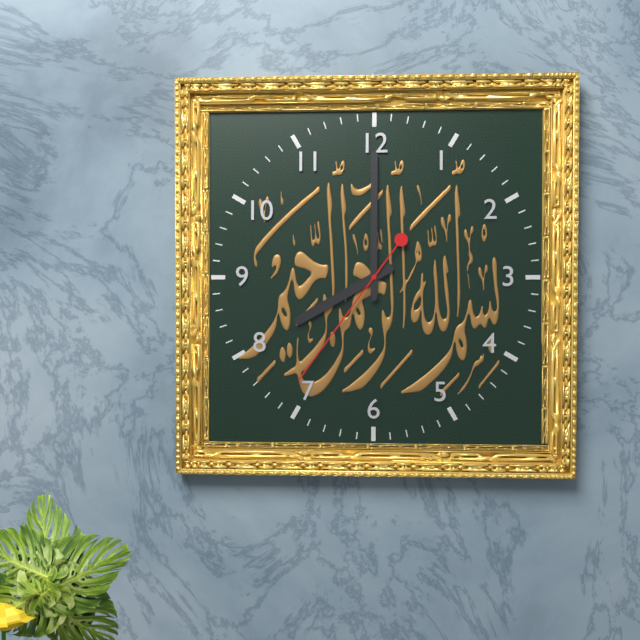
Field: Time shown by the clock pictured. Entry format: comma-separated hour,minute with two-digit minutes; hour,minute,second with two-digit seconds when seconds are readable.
8,00,36
